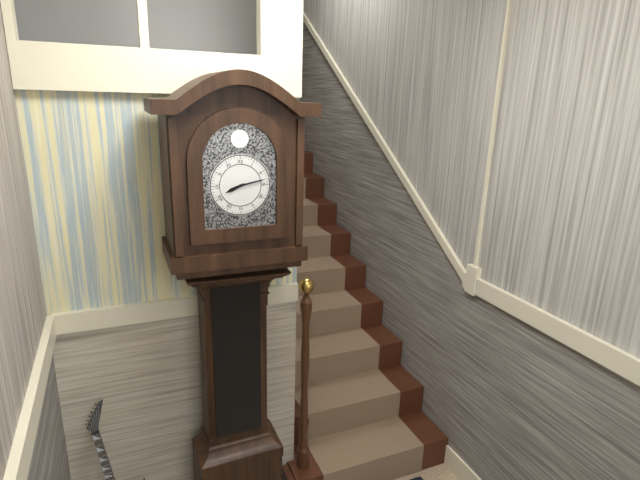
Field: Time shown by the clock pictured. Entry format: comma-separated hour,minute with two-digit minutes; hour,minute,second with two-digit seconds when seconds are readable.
8,13
